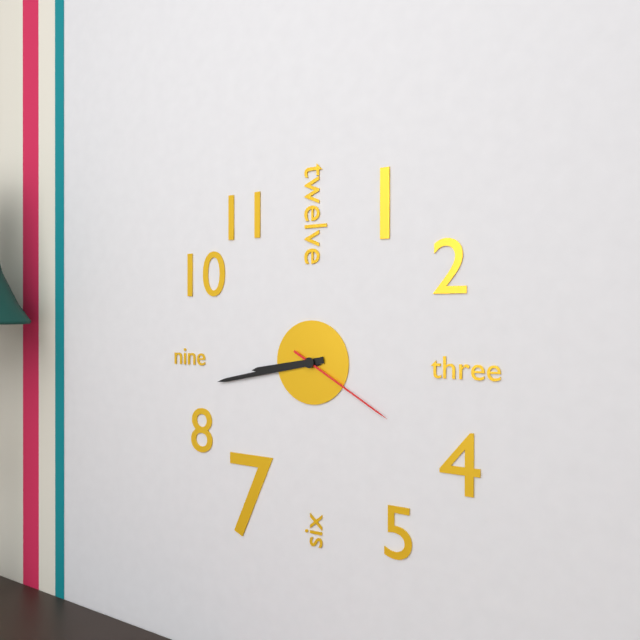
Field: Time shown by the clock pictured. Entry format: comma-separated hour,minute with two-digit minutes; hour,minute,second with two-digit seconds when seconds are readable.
8,43,20
